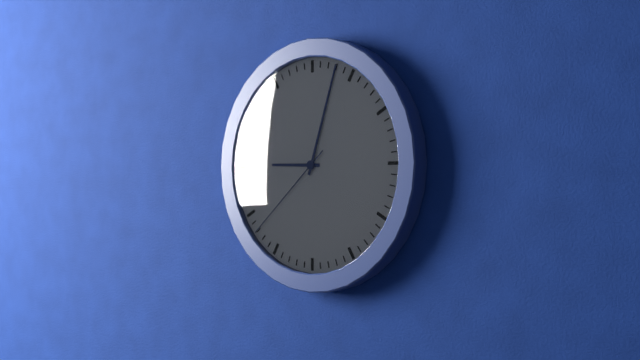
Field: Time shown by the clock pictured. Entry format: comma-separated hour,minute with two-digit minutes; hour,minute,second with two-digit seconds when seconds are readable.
9,03,38
